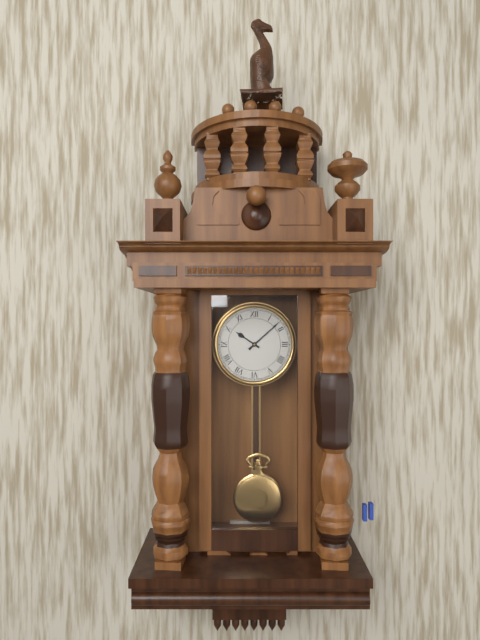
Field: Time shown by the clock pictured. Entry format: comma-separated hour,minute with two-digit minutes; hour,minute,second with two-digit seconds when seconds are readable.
10,08
